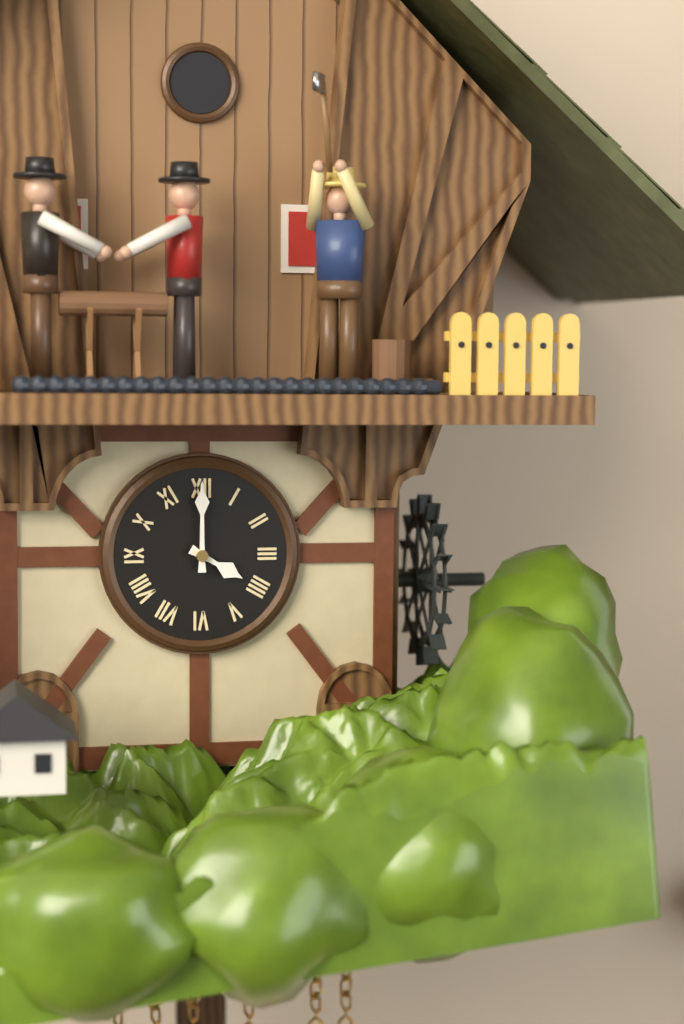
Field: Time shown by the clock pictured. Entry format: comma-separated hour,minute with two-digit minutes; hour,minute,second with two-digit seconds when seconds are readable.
4,00
